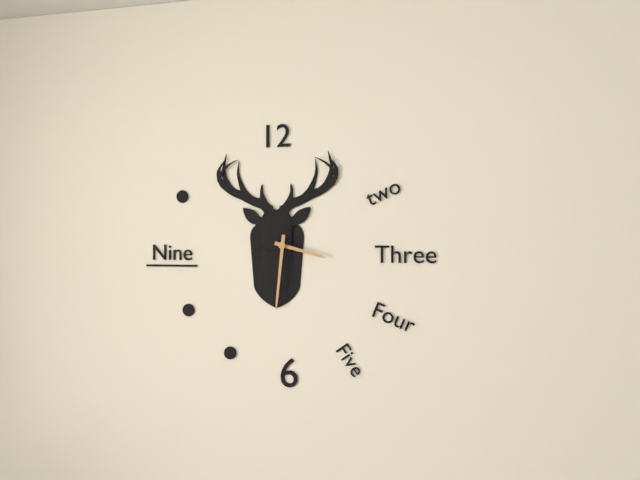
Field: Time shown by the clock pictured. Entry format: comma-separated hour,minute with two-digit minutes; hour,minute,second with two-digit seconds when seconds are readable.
3,31
